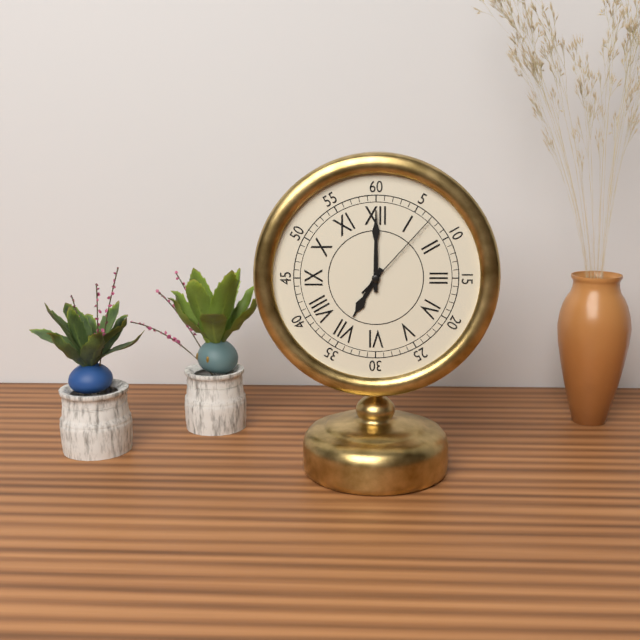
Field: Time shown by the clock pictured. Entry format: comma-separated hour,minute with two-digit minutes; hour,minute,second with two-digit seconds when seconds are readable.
7,00,07
